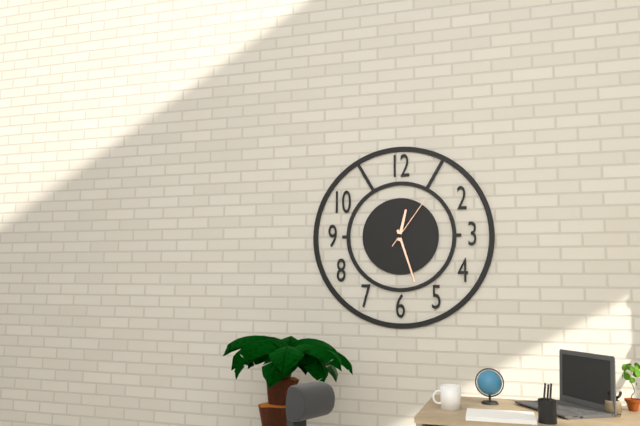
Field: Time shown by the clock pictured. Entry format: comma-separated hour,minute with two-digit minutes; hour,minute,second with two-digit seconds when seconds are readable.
12,27,06
